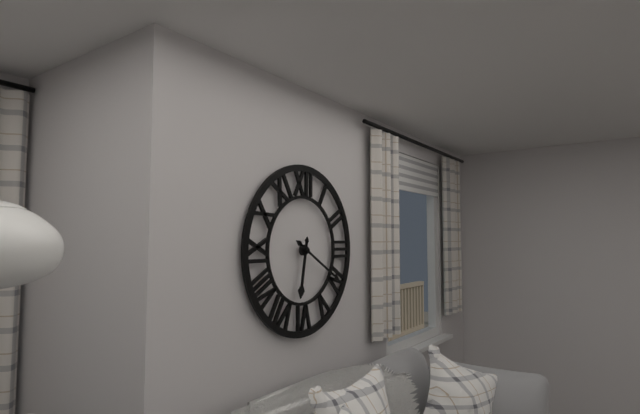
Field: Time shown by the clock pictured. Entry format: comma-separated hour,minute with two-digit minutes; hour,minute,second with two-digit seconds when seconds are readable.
6,20
